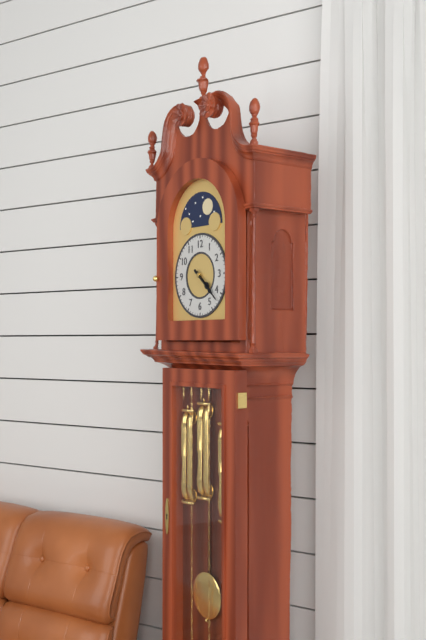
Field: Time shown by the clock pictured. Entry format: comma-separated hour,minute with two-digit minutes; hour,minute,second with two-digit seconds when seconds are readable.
4,22
